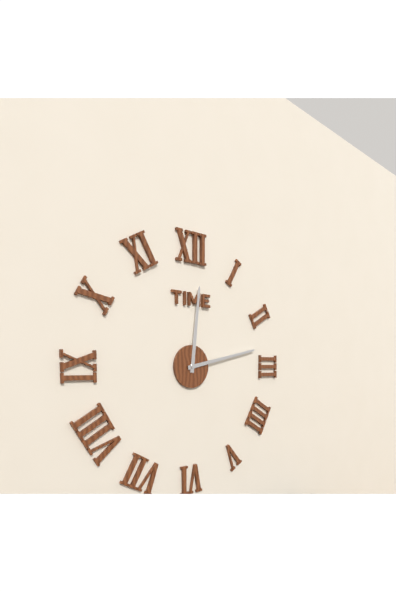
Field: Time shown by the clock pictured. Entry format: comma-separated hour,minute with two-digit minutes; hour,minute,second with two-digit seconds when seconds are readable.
12,13
